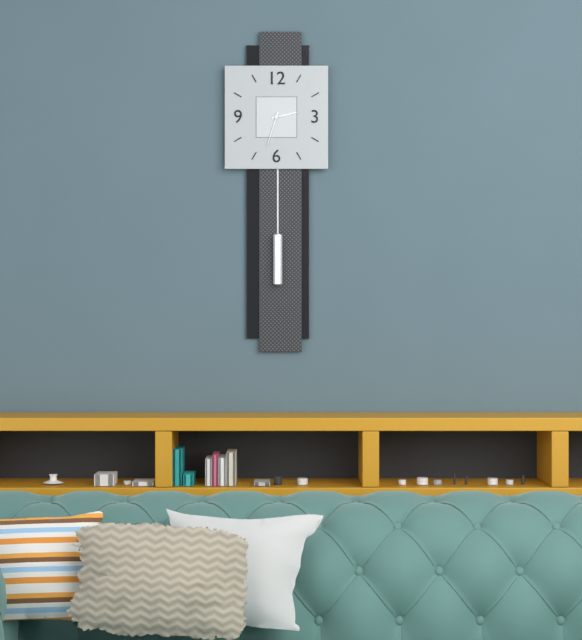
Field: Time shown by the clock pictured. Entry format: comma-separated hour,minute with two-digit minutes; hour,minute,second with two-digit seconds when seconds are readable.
2,33
